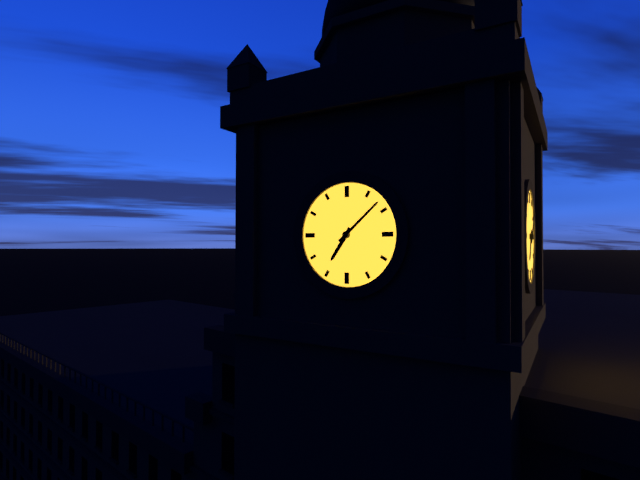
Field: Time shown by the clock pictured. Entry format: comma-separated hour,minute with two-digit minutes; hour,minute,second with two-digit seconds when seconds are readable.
7,08
